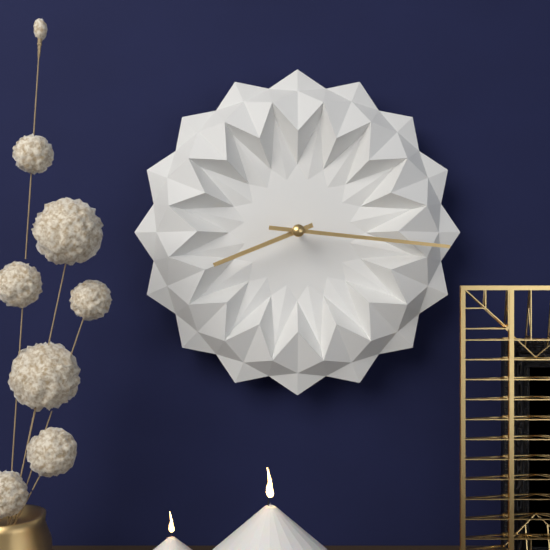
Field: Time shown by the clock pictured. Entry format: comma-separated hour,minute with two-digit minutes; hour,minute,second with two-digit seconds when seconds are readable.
8,16
